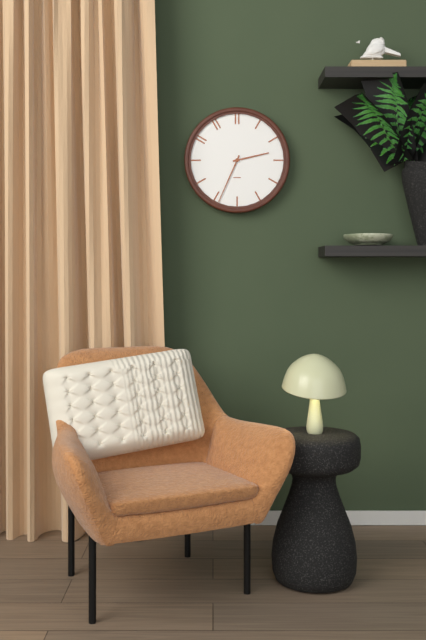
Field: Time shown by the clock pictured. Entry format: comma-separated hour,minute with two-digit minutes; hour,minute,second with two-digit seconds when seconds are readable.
2,34
